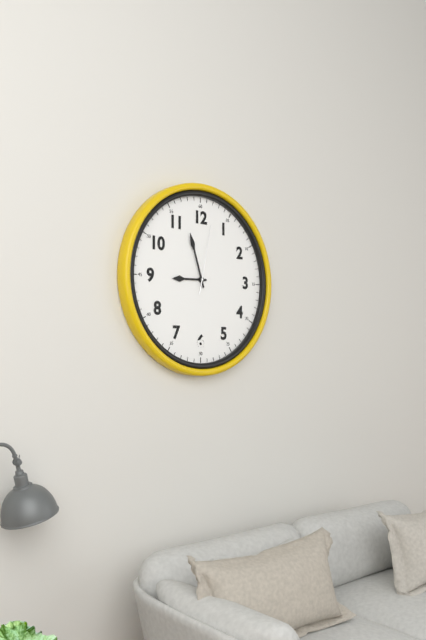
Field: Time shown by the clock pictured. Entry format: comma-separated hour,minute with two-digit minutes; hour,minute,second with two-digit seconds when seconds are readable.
8,57,02
